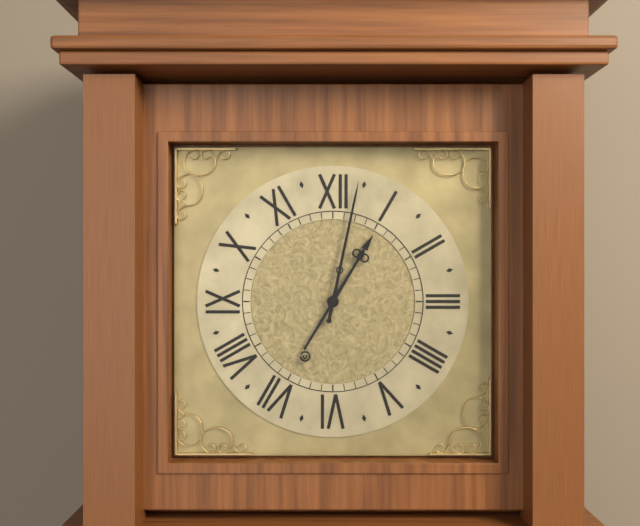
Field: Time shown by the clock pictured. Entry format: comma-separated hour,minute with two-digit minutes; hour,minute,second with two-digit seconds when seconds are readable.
1,02
